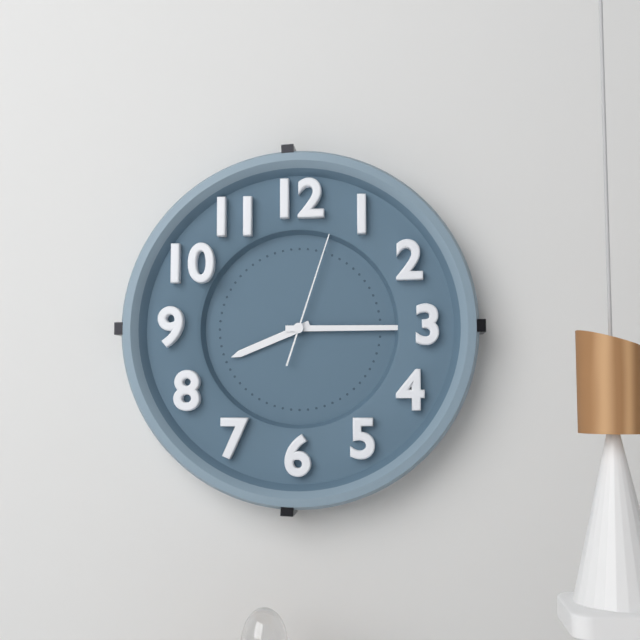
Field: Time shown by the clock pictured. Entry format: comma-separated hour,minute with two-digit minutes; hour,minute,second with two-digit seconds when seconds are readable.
8,15,03
